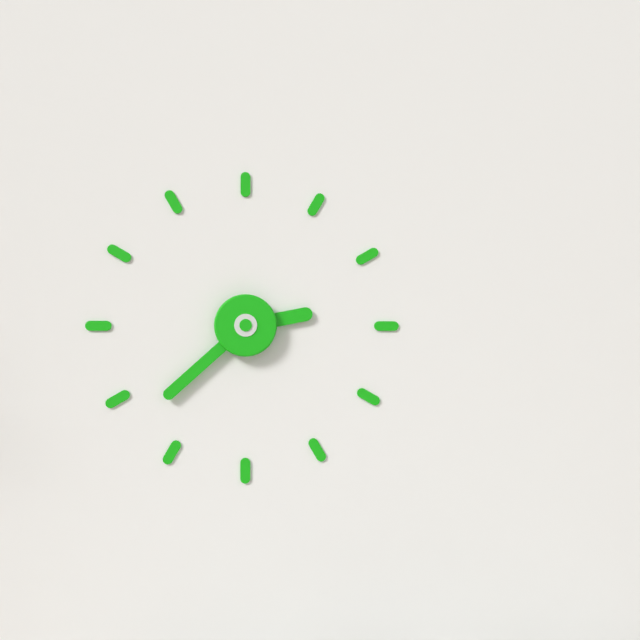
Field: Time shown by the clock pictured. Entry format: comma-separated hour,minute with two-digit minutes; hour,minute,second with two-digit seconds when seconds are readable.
2,38
